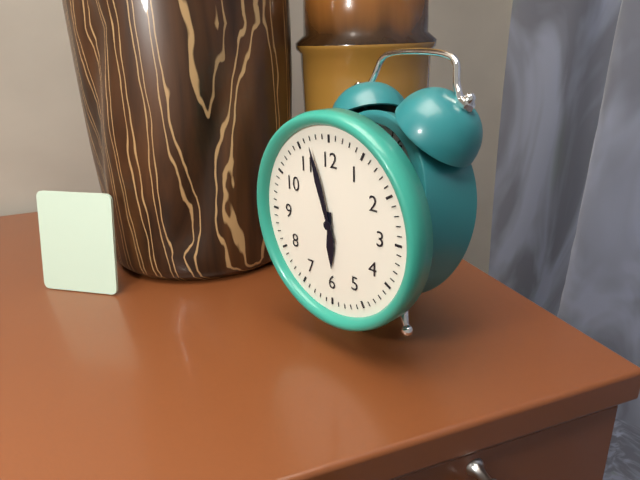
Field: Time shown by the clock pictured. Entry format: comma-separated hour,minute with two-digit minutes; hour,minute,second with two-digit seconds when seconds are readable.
5,57
